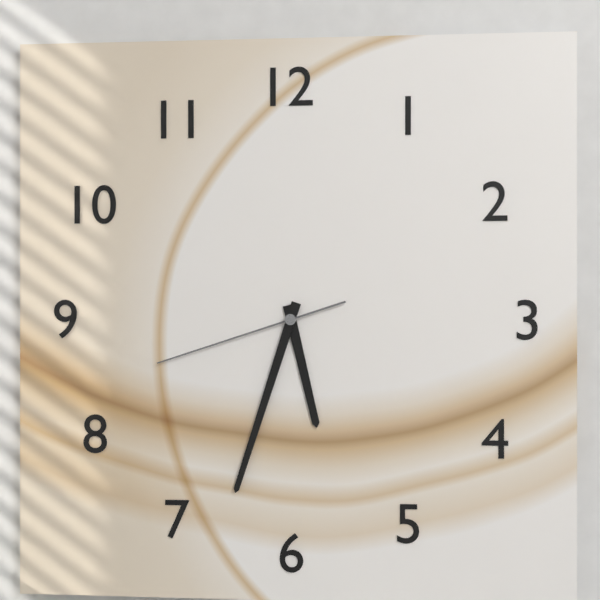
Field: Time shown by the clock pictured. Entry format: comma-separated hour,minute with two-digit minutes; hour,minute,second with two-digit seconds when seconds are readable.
5,33,42
